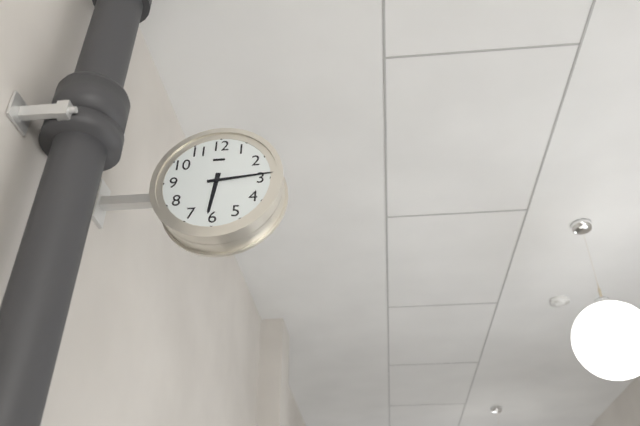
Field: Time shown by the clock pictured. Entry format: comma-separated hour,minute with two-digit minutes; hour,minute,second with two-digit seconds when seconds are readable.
6,14
